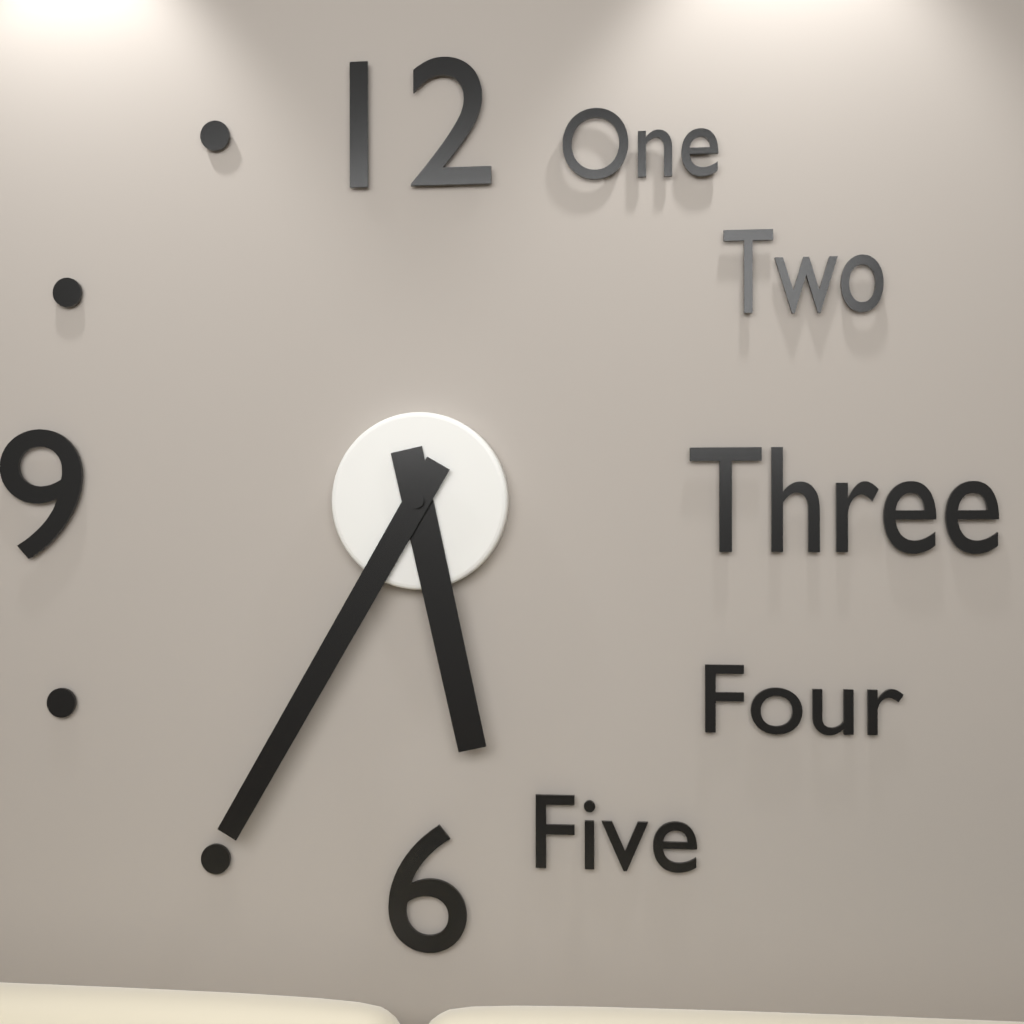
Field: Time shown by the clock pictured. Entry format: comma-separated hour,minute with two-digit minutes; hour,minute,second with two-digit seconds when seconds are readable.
5,35
